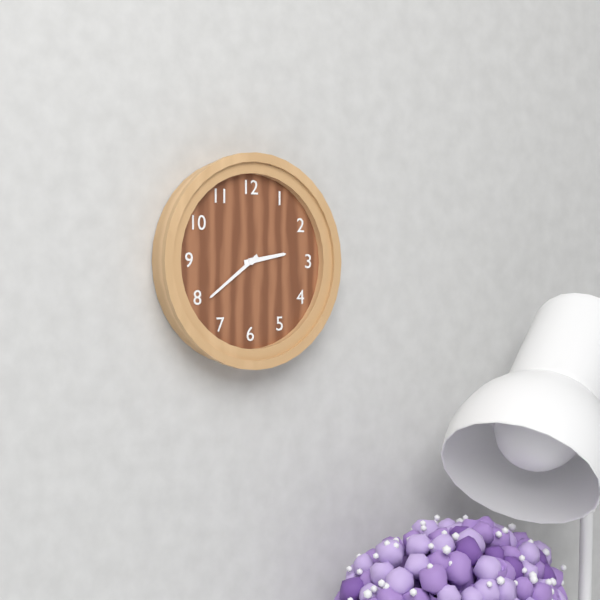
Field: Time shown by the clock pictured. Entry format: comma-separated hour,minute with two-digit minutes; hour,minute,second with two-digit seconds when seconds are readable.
2,39
